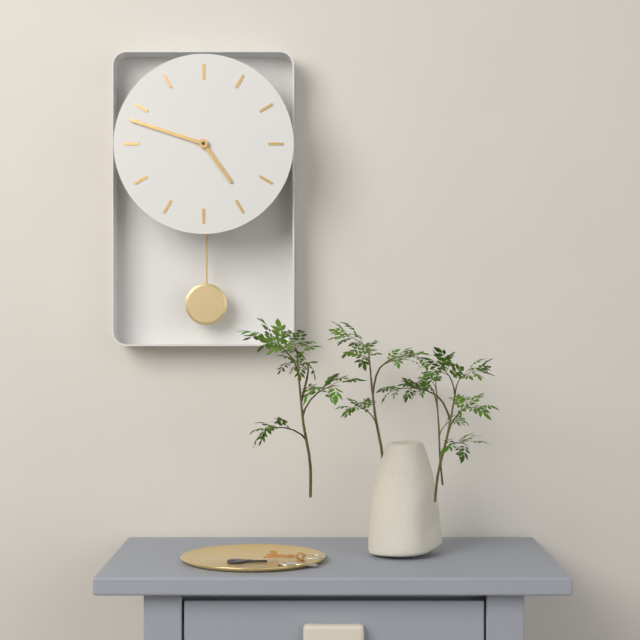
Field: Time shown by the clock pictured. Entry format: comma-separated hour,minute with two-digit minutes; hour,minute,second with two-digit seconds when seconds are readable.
4,48
